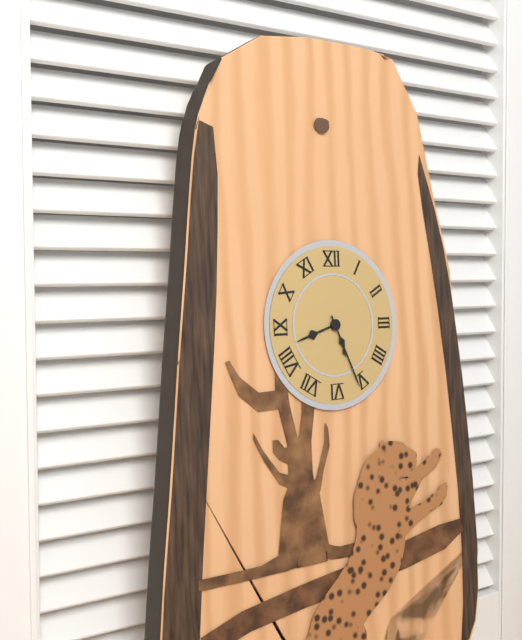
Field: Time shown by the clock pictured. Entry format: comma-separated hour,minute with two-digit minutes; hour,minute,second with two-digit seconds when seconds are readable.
8,26
